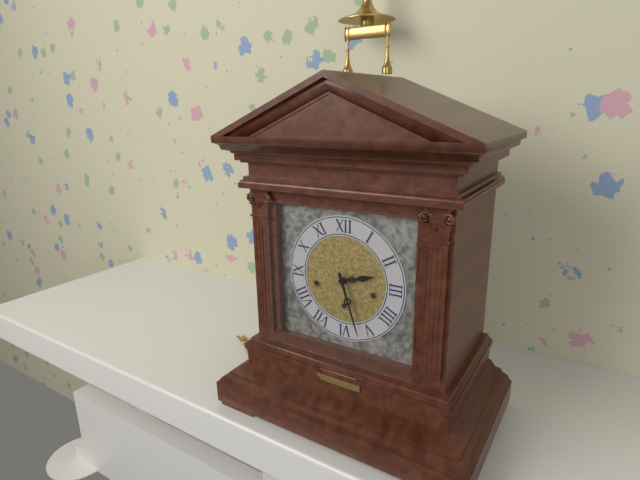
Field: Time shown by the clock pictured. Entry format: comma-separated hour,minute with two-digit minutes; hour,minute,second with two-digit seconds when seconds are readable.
2,27
